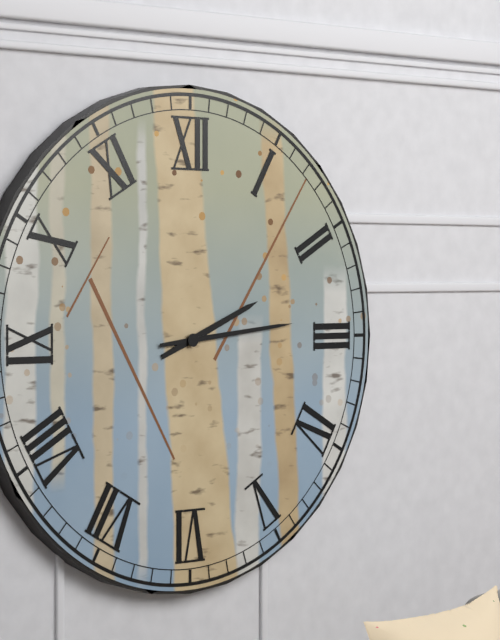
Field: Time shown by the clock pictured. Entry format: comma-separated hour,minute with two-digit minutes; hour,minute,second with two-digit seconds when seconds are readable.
2,14
